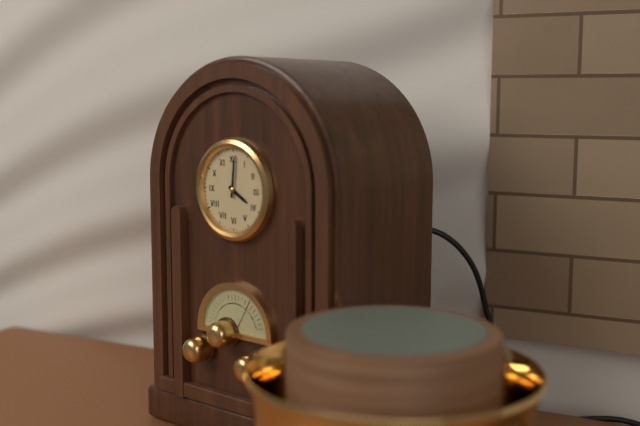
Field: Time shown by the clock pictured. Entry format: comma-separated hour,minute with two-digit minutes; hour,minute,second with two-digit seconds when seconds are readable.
4,01
